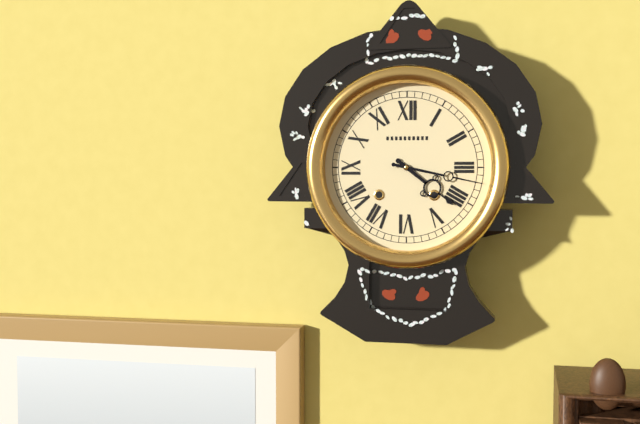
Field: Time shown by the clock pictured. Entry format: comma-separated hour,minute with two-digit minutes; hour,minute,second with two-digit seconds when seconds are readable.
4,17
